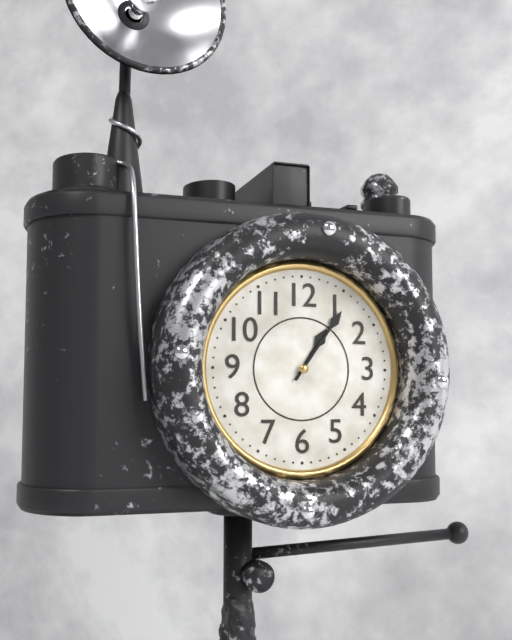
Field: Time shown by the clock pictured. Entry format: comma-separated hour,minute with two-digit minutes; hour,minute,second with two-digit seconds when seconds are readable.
1,06
